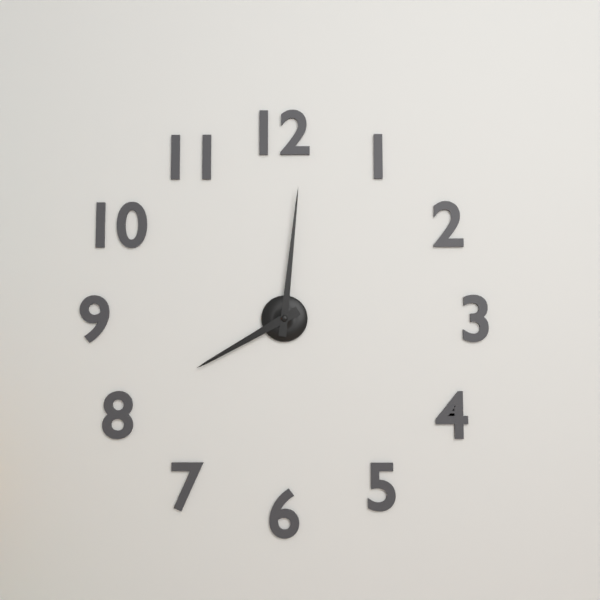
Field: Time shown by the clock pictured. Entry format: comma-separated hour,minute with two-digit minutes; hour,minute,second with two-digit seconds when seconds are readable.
8,01
